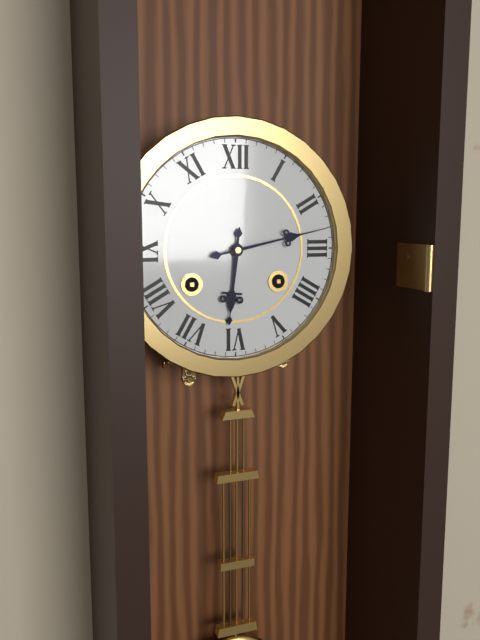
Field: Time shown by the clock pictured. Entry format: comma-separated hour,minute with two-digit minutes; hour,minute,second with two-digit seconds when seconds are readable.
6,13
